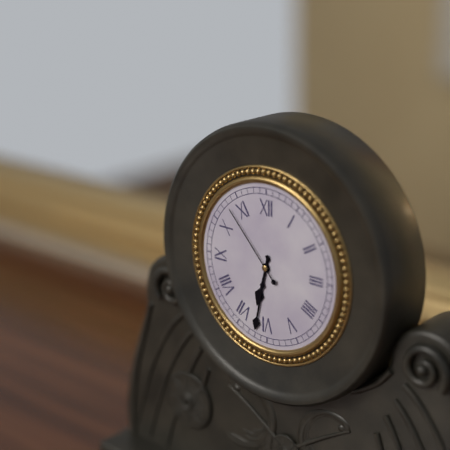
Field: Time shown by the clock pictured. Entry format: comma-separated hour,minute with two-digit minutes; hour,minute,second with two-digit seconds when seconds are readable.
6,32,53
